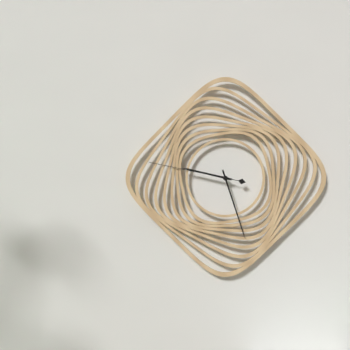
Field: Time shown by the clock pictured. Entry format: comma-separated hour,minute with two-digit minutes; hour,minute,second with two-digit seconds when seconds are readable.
9,27,47
